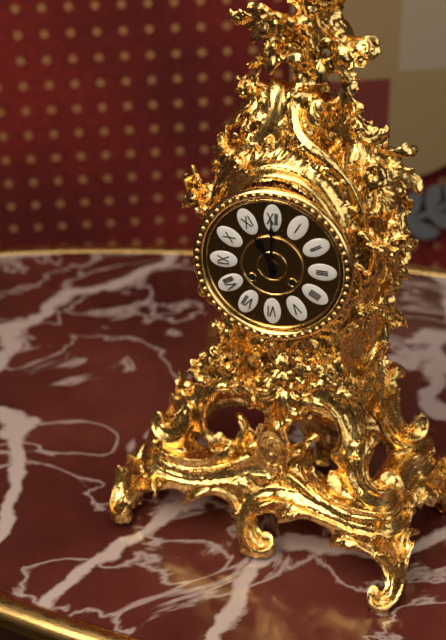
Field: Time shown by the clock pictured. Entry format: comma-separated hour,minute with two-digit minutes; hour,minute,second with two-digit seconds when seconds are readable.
11,00
